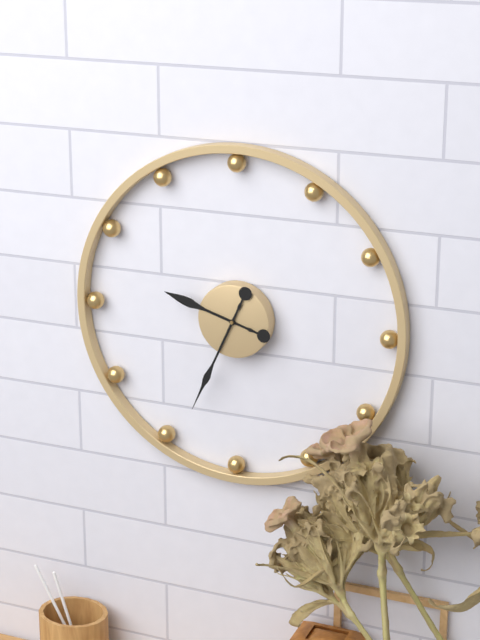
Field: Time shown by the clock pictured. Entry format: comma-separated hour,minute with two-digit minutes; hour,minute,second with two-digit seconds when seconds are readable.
9,34
